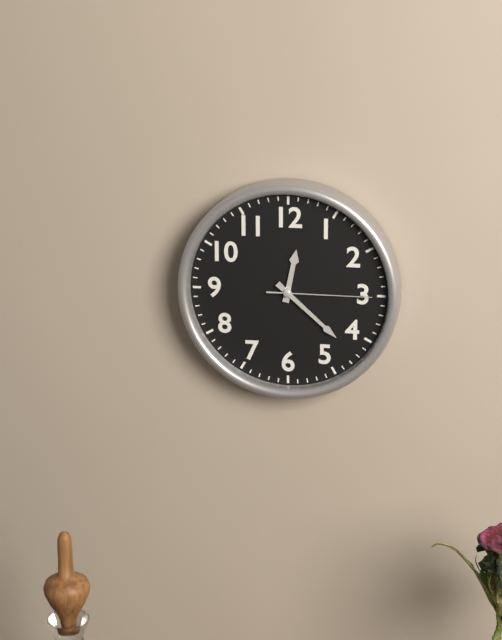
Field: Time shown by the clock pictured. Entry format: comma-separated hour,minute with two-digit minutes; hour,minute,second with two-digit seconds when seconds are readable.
12,22,15
